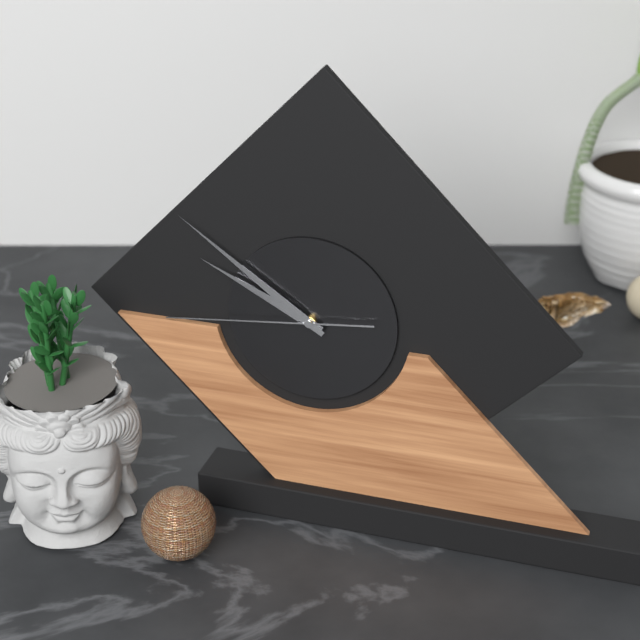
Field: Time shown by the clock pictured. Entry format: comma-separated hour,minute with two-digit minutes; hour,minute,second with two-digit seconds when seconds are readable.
9,51,44
